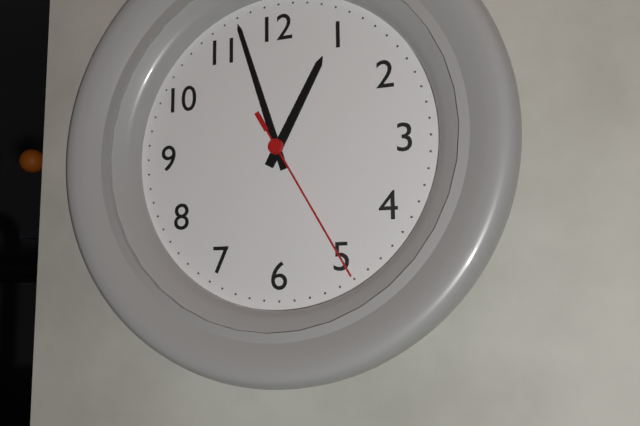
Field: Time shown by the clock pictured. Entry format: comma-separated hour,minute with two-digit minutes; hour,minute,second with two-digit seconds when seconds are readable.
12,57,25
